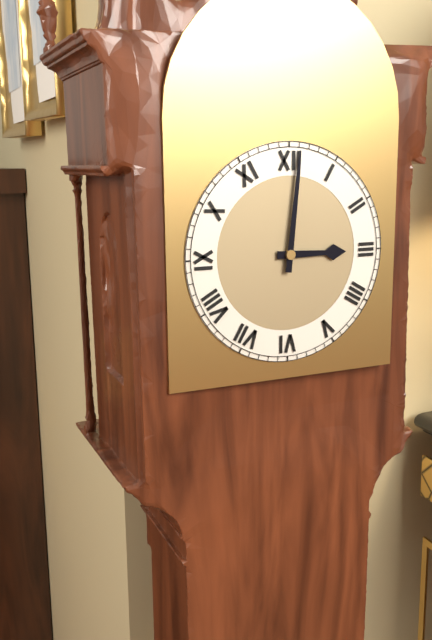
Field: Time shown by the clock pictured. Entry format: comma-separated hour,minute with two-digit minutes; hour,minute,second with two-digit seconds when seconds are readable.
3,01
